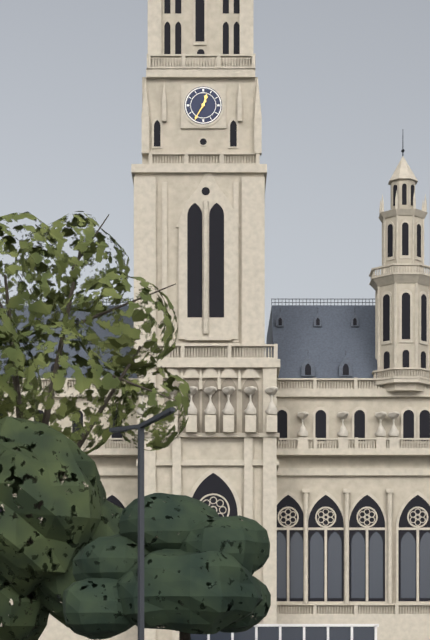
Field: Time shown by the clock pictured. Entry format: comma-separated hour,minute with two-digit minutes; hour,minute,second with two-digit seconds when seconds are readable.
12,35
